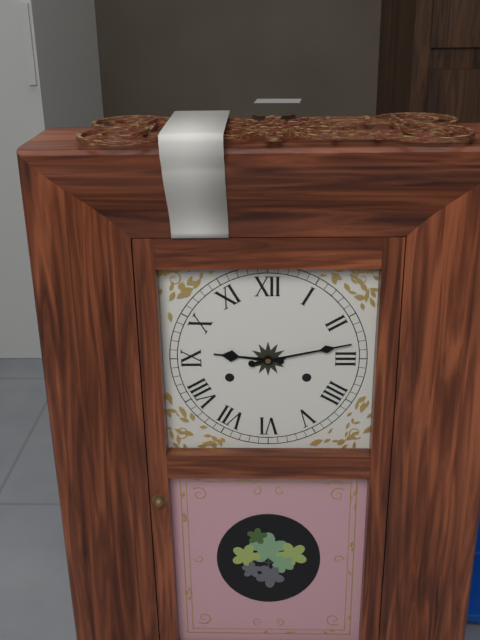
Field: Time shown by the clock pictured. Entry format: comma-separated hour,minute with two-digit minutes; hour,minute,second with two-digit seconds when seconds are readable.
9,13
